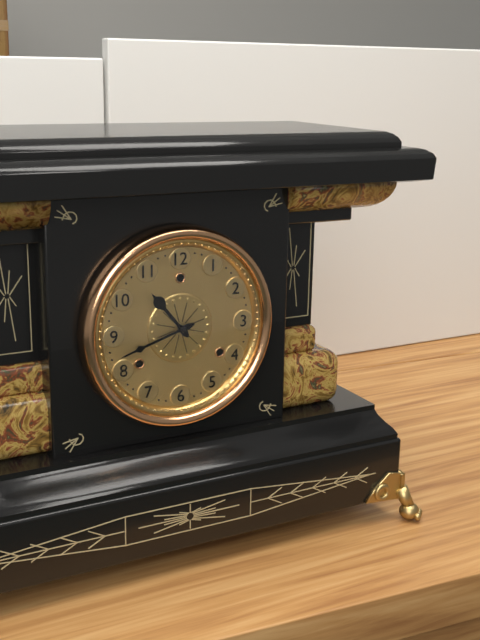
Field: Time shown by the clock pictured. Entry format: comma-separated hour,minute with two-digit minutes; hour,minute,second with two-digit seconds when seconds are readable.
10,42
